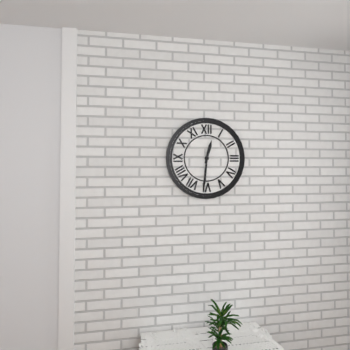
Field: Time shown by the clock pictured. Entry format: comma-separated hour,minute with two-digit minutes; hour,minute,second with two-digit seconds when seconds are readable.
12,31
